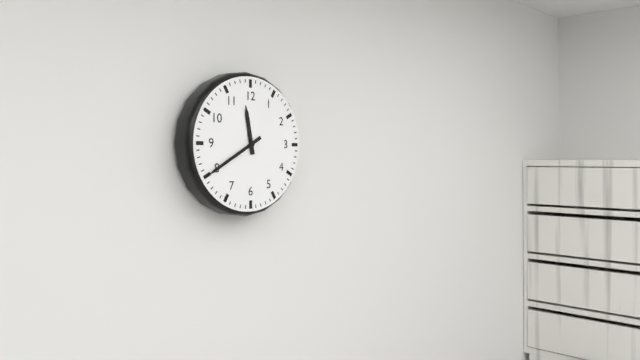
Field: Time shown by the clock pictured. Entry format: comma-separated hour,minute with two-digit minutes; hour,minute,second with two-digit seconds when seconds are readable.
11,40
